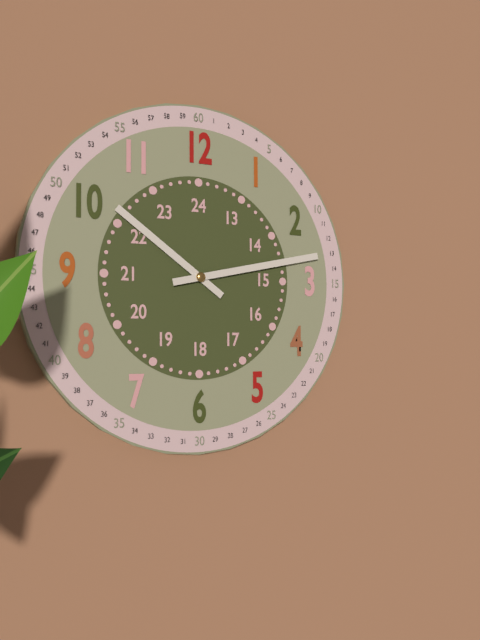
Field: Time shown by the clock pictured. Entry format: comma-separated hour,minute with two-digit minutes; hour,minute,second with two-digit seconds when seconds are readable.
10,13
